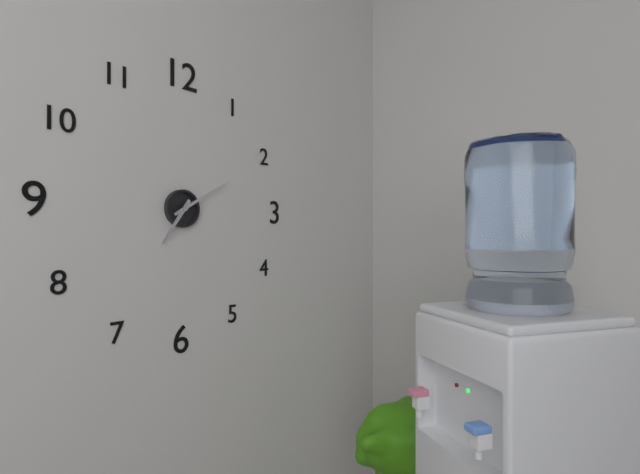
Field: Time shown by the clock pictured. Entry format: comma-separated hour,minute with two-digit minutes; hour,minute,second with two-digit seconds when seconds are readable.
7,10
